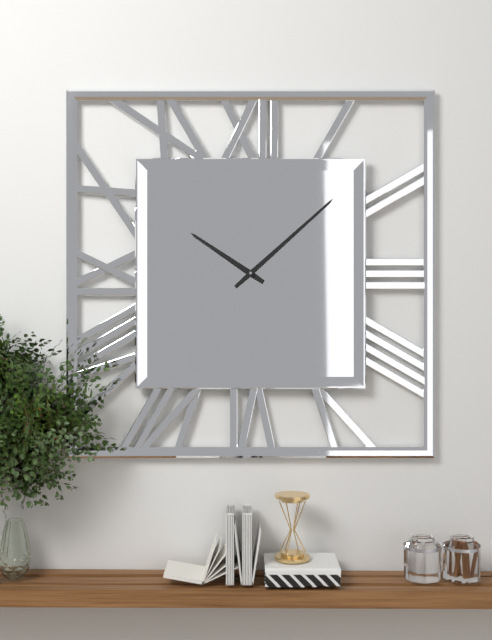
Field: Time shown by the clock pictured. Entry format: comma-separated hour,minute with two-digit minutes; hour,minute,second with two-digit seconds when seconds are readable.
10,08
